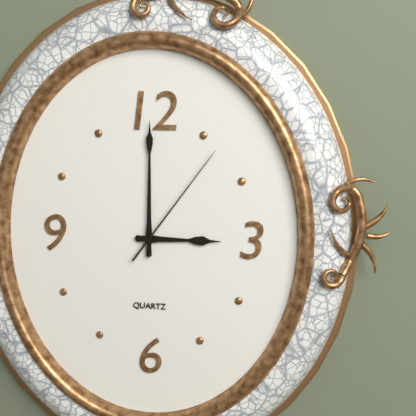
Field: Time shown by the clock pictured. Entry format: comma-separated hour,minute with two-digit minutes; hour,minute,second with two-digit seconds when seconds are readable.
3,00,06
